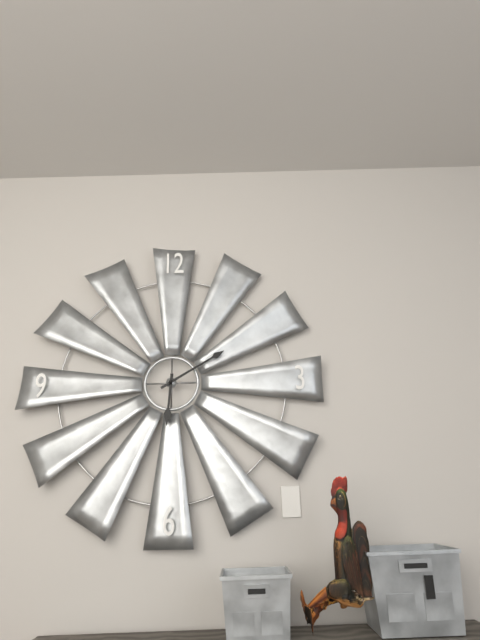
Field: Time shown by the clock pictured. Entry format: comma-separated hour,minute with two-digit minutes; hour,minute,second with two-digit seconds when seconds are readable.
6,10
